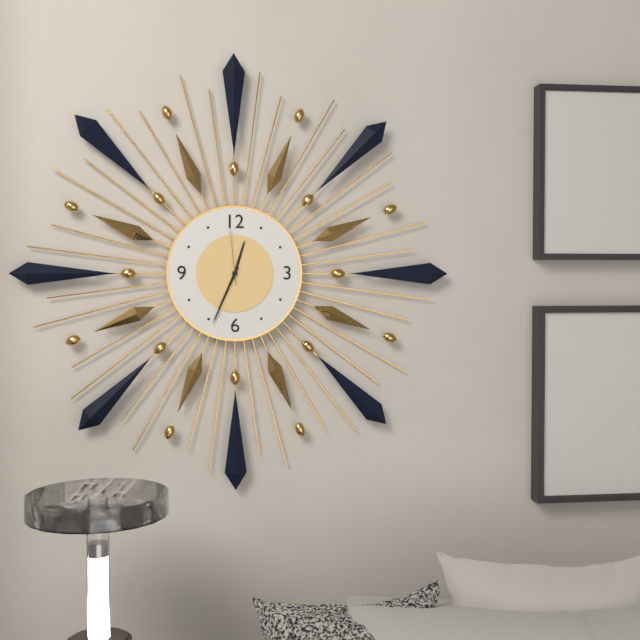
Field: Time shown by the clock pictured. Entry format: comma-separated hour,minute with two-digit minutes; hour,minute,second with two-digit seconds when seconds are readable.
12,34,59
